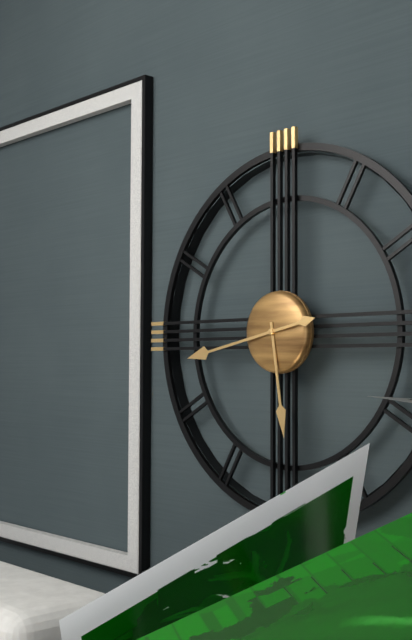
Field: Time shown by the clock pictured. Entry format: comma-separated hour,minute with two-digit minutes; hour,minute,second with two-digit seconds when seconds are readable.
5,43
